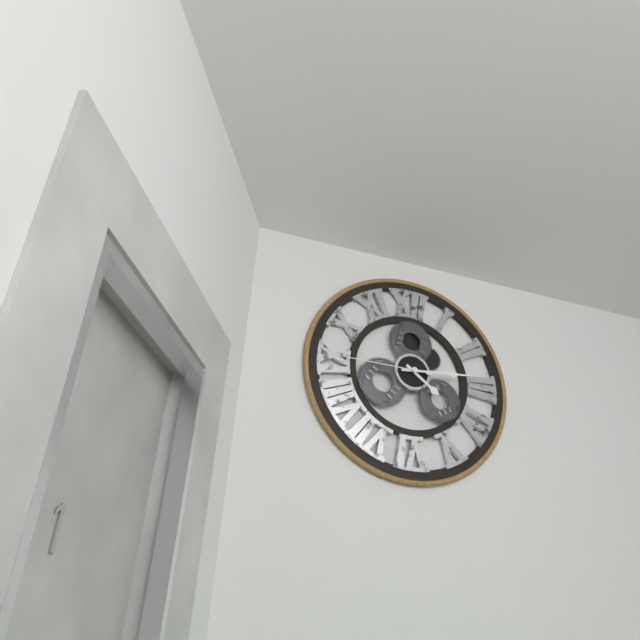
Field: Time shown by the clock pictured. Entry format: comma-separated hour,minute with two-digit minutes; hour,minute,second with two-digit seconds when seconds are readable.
4,14,45
